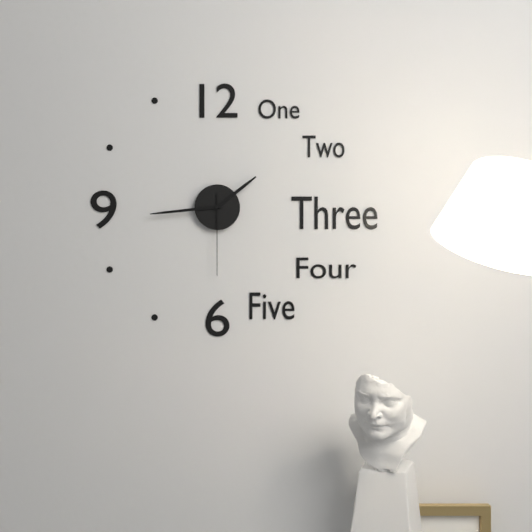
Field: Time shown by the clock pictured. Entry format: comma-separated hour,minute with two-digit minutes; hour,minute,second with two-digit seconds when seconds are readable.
1,44,30
